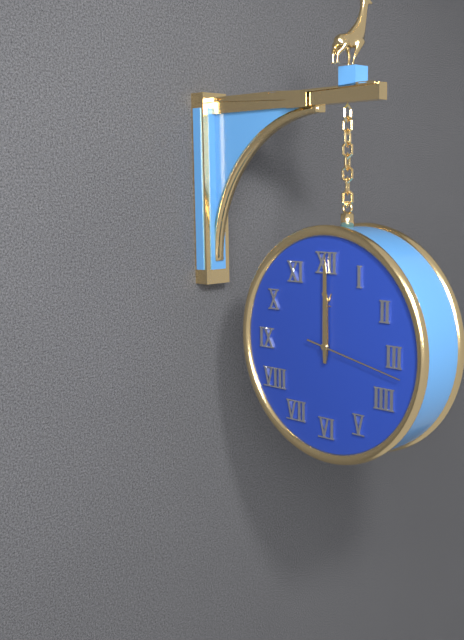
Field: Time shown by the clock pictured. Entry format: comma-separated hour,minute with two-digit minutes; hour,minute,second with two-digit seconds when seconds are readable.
12,00,17
